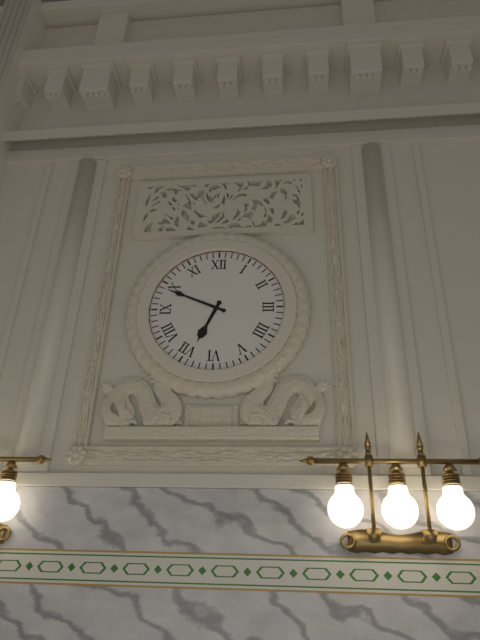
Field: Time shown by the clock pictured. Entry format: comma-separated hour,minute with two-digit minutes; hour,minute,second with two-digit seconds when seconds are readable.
6,49
